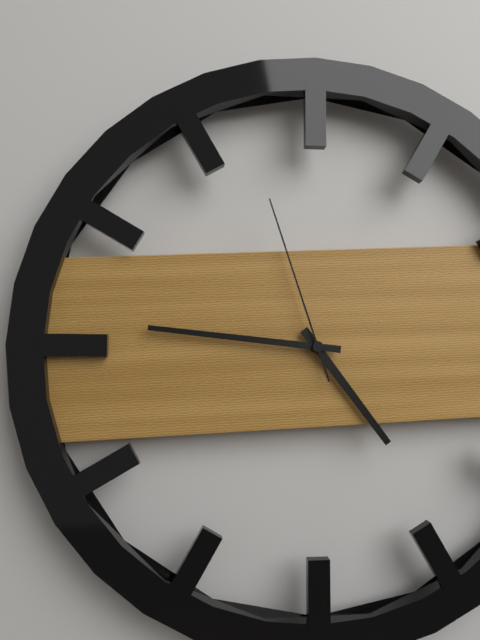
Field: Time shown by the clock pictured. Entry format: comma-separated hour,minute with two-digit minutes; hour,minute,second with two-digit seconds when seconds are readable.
4,46,57
